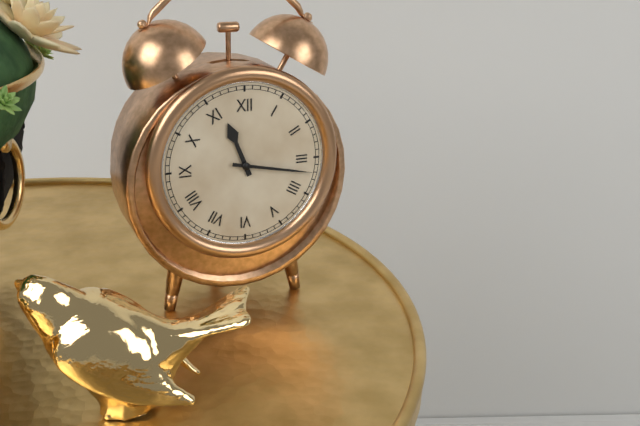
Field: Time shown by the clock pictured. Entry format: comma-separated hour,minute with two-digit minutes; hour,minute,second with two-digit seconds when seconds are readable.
11,17
